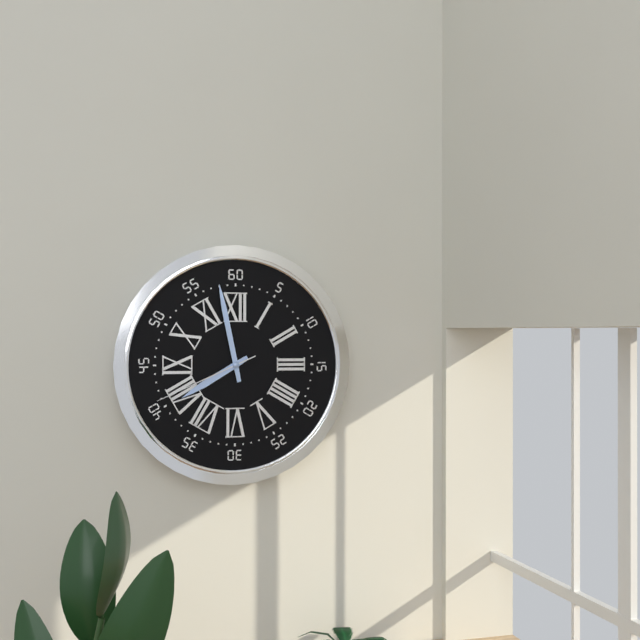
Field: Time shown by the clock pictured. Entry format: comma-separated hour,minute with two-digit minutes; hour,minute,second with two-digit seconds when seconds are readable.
7,58,41
